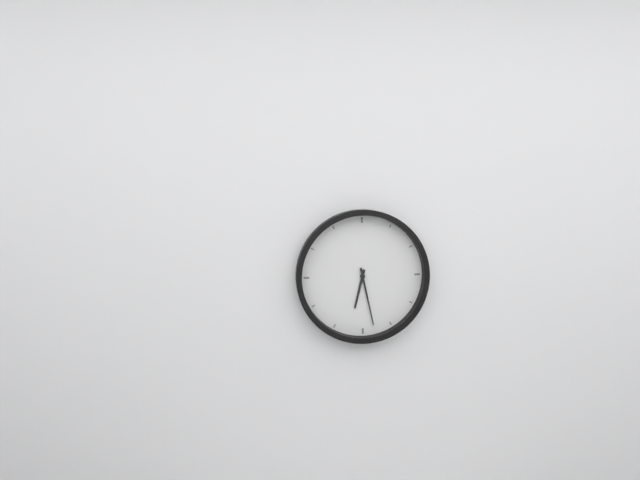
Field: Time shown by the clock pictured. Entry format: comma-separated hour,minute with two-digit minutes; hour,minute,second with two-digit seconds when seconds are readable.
6,28
